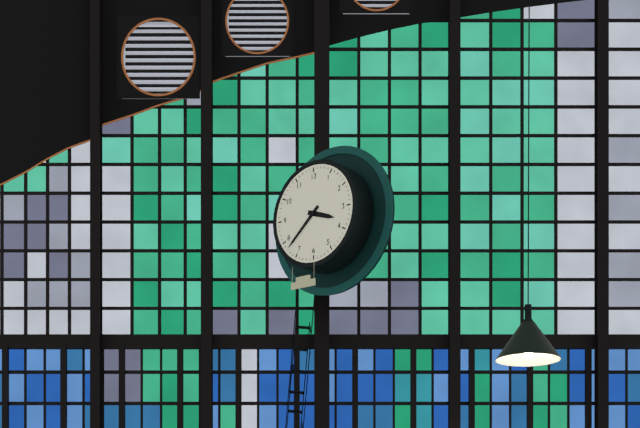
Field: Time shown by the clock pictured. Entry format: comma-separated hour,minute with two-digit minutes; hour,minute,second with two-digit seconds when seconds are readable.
3,38
